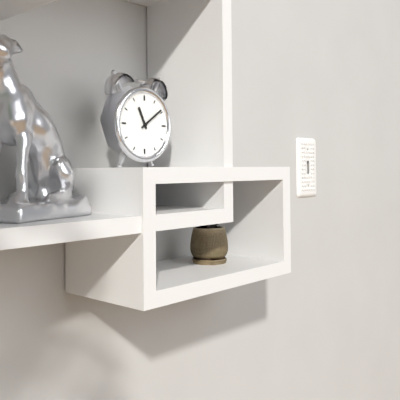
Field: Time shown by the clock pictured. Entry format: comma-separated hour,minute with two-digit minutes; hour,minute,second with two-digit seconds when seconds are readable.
11,09
